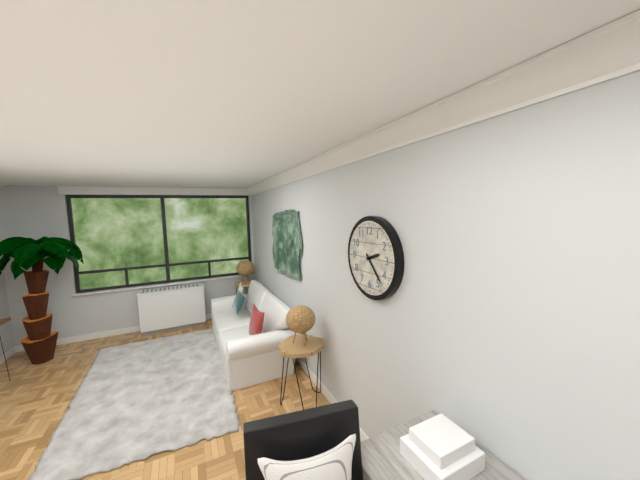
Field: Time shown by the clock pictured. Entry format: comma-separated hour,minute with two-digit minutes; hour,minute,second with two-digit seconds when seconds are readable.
2,23
